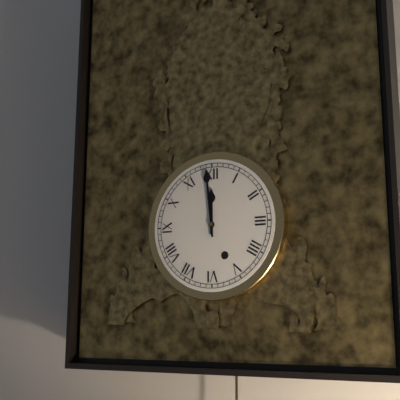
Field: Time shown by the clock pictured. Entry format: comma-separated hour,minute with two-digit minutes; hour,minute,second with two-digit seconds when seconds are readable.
11,59
